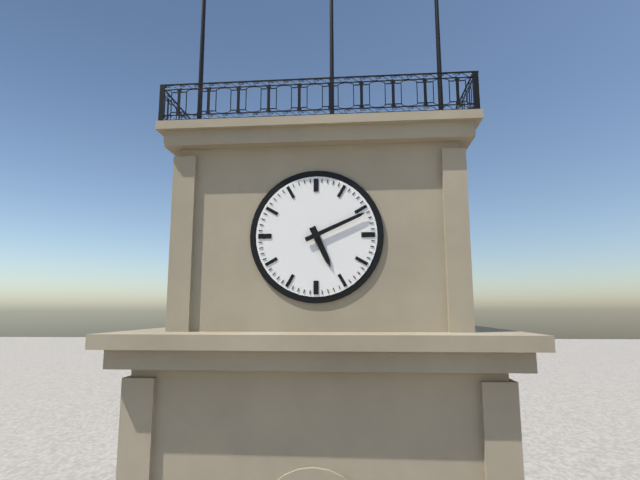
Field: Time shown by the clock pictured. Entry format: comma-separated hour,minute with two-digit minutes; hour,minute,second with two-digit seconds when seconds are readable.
5,11
